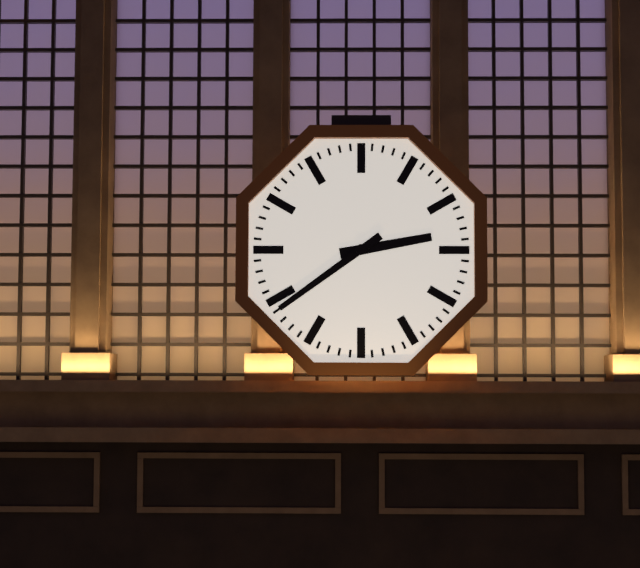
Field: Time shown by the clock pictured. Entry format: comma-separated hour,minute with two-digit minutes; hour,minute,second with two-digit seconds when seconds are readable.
2,39
